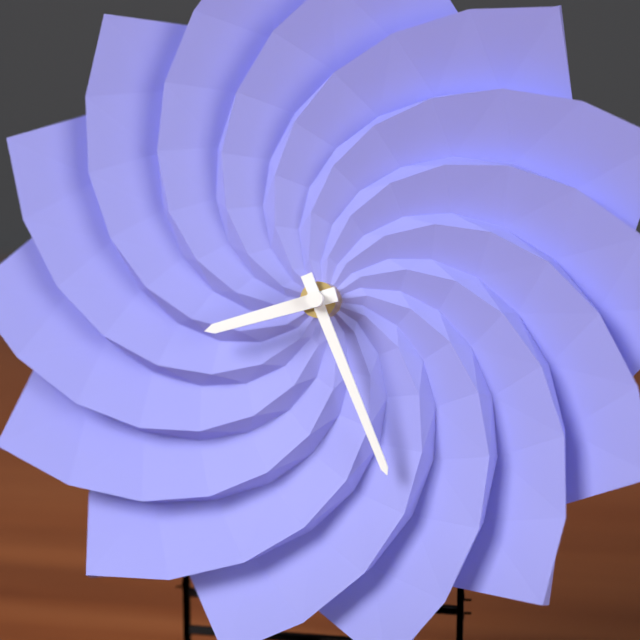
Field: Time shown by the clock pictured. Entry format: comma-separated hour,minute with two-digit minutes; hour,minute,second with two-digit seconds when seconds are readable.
8,26
